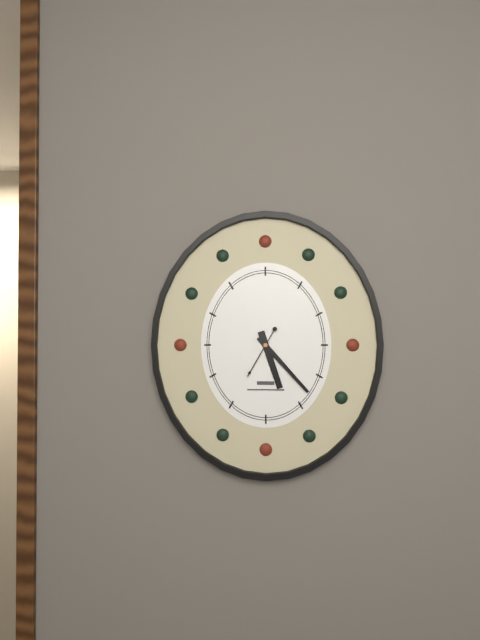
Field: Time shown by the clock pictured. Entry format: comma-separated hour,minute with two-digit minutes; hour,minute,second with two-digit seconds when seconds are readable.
5,23
